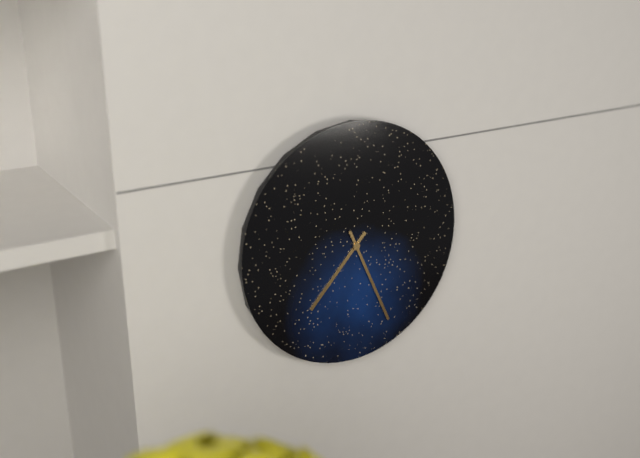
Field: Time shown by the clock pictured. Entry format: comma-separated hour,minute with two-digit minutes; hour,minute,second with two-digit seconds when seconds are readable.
7,26
